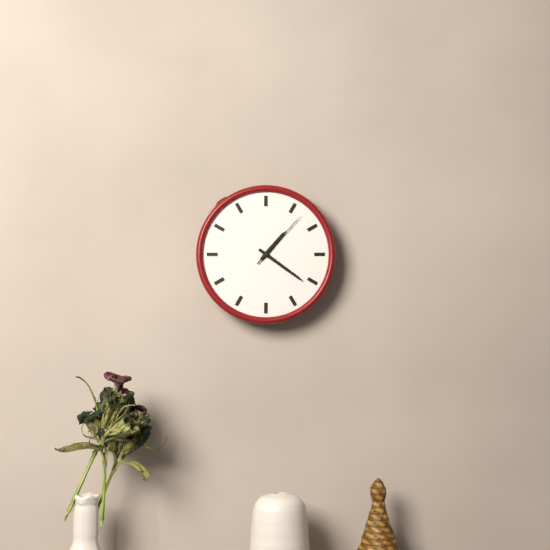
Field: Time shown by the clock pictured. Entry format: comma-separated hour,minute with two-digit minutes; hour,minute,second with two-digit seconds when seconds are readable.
1,21,07
